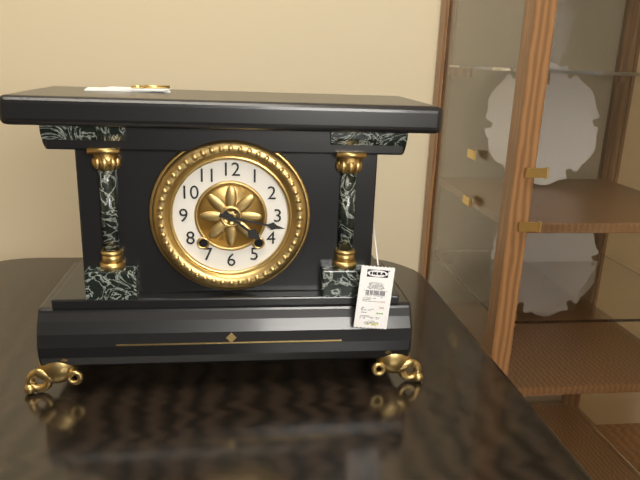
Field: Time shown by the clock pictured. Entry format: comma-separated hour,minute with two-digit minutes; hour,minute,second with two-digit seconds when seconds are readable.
4,17
